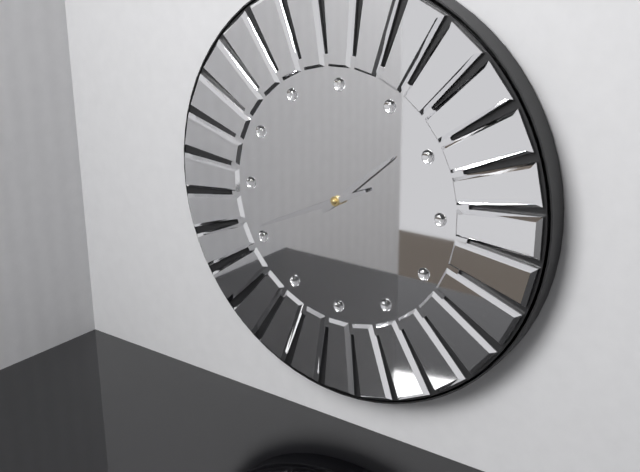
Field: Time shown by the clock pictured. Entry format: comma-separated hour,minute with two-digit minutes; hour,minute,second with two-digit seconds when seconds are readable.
1,41
